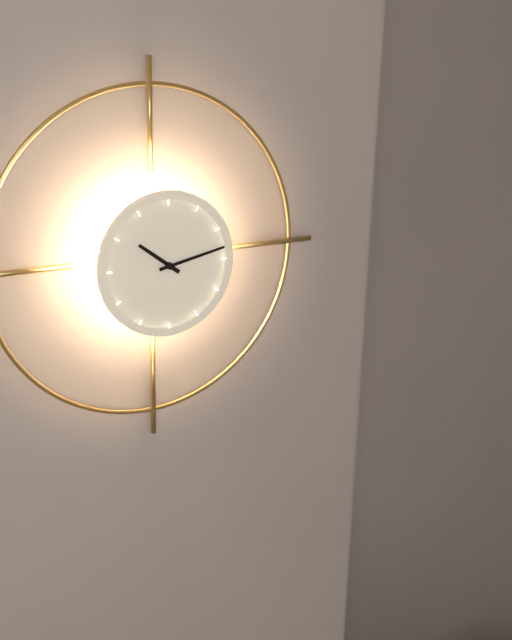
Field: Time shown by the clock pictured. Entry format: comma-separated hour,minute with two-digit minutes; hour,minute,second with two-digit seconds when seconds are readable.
10,13
